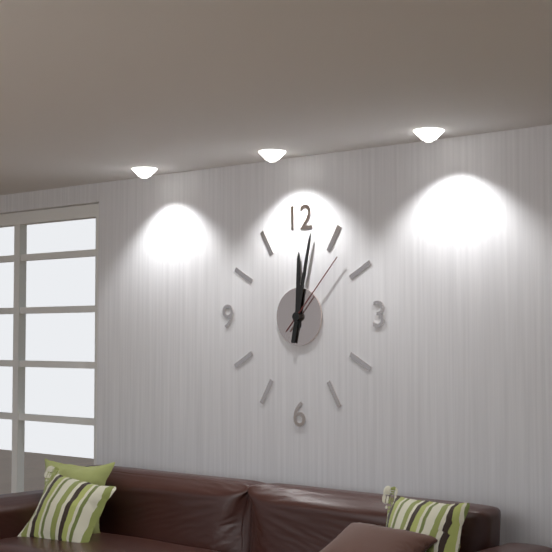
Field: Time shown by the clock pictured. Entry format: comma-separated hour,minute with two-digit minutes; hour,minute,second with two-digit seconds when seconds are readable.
12,02,07
